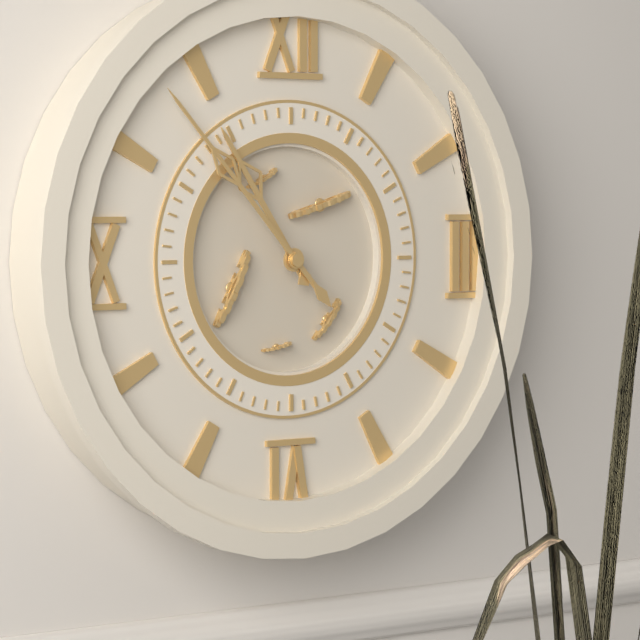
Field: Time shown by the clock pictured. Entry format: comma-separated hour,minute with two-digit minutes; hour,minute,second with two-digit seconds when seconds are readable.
10,53
